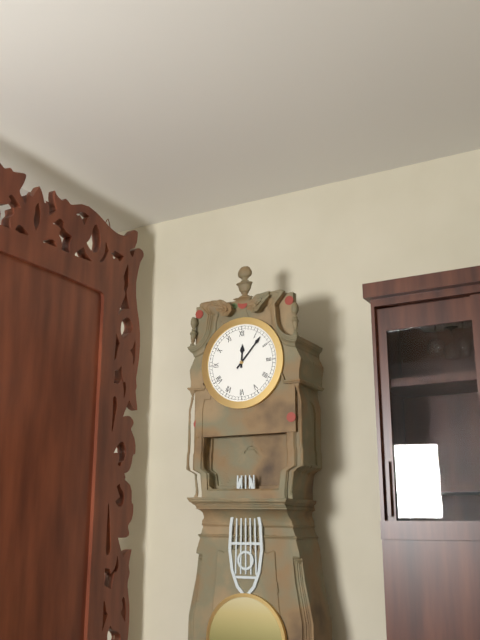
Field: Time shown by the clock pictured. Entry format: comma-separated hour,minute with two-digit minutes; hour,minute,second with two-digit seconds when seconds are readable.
12,07
